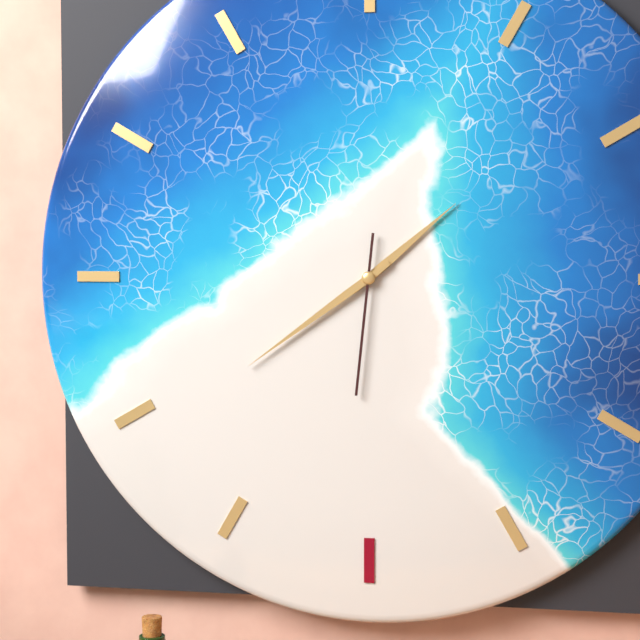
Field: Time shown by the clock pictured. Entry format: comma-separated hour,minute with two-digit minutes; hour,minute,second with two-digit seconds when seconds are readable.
1,39,31
